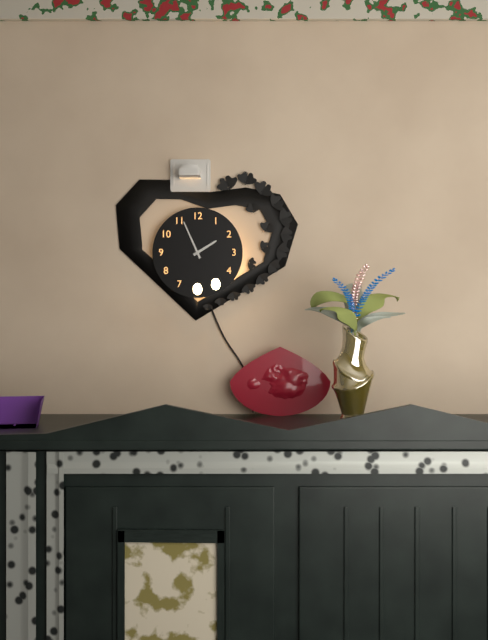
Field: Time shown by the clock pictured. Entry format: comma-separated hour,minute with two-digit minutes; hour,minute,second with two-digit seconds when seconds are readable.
1,56
